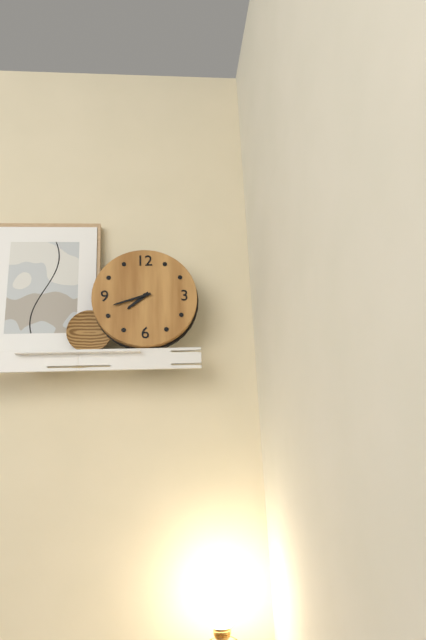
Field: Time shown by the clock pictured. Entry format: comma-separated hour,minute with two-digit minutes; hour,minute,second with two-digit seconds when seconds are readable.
7,42
